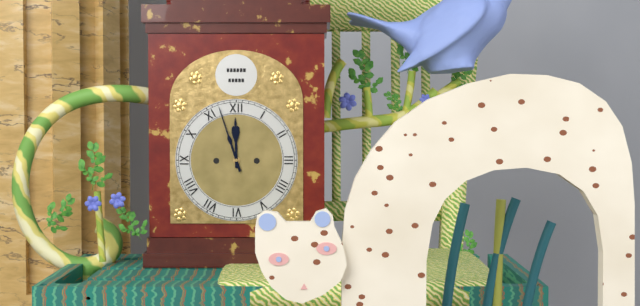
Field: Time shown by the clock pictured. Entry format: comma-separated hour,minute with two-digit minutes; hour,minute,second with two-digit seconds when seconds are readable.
11,57
